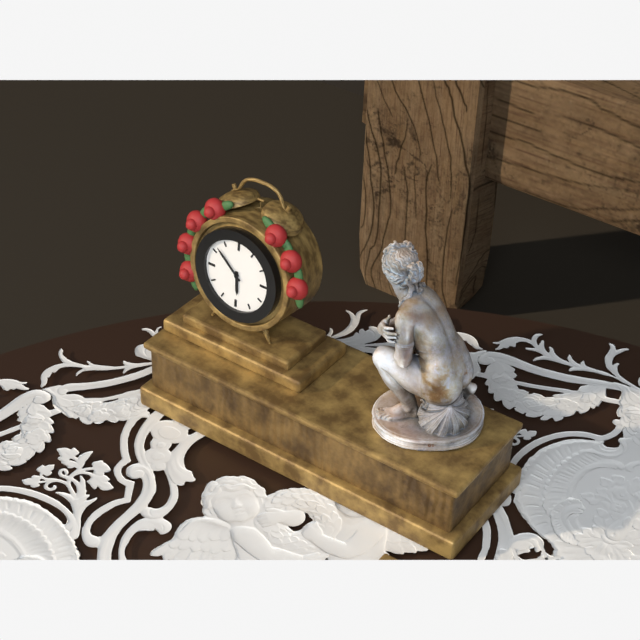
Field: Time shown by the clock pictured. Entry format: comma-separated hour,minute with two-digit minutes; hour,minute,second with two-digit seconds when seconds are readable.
5,52
